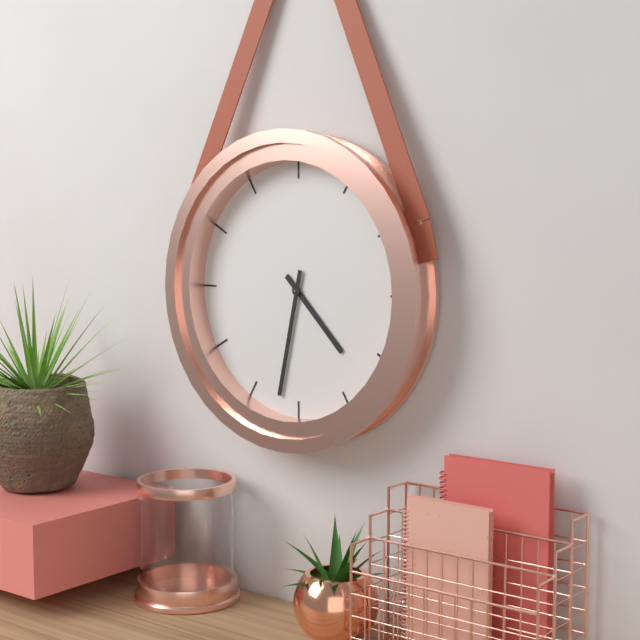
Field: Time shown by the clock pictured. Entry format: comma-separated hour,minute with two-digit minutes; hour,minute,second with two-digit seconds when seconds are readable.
4,32
